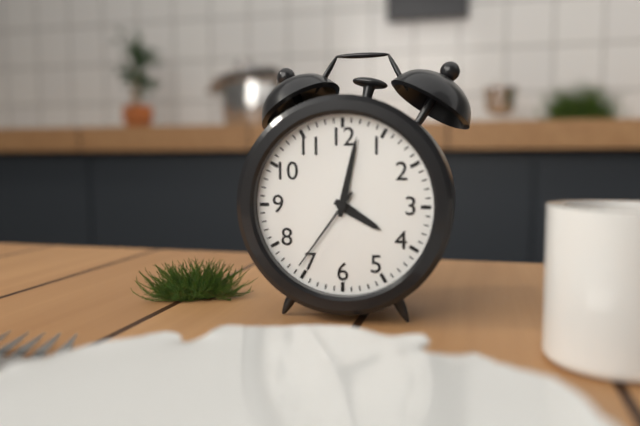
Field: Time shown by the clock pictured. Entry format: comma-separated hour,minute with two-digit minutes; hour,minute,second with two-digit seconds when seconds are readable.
4,02,36
